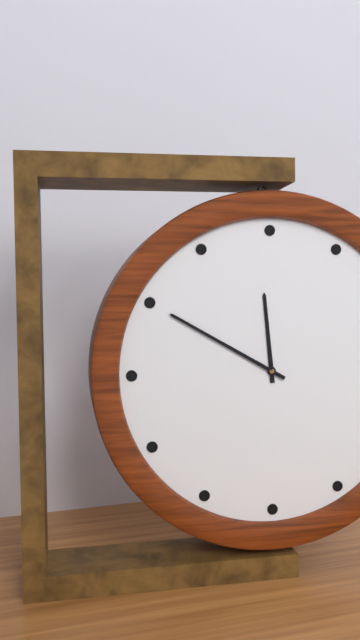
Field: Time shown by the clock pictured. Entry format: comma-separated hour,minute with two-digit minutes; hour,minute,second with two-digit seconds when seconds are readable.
11,50
